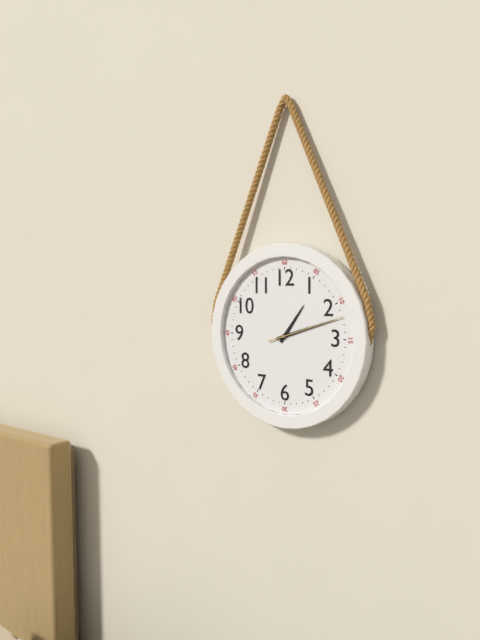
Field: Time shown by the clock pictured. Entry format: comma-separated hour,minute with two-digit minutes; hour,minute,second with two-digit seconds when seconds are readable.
1,12,12
